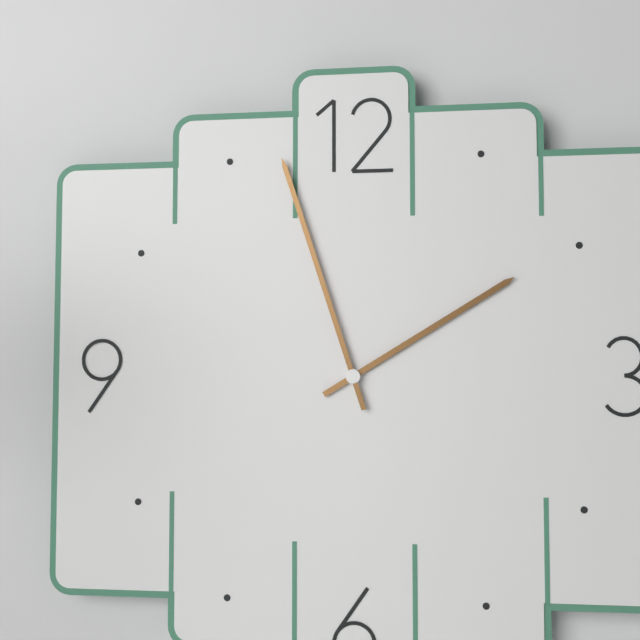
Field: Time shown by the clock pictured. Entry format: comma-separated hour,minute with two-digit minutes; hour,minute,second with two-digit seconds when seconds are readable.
1,57
